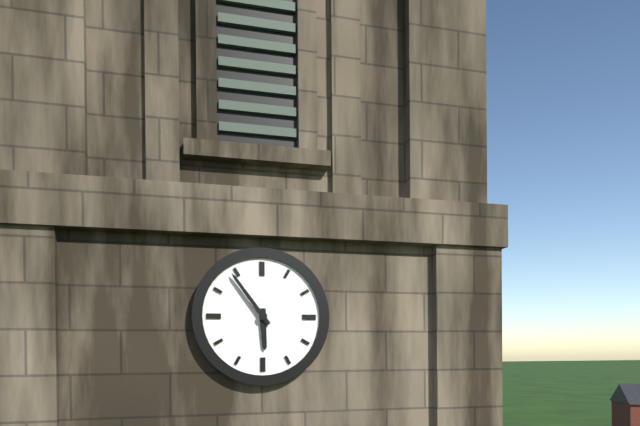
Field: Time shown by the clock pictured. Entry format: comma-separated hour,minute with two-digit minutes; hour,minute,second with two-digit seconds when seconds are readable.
5,54
